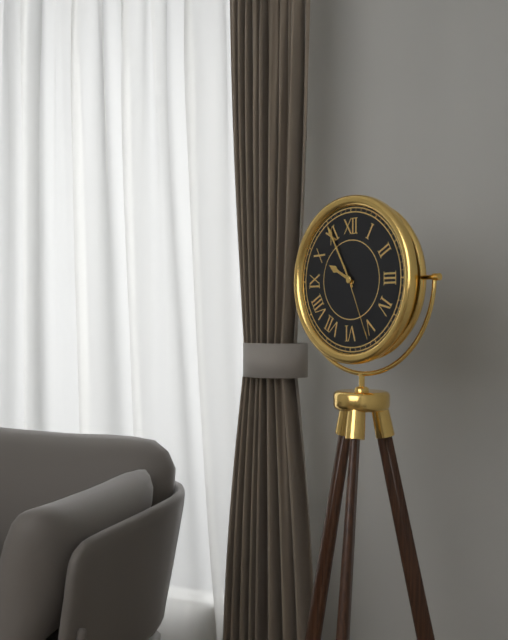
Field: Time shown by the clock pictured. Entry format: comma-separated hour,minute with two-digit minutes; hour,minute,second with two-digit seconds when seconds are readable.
9,55,26
